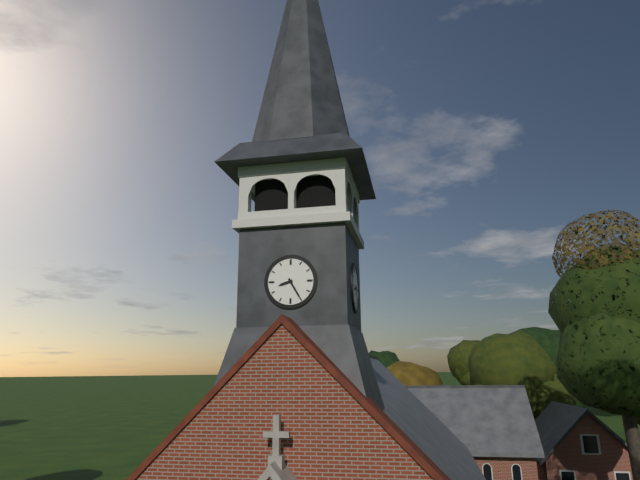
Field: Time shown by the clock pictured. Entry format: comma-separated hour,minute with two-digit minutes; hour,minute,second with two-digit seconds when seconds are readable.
8,25
